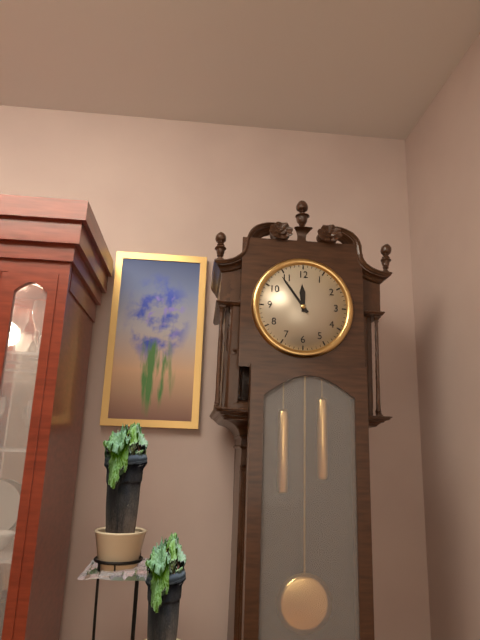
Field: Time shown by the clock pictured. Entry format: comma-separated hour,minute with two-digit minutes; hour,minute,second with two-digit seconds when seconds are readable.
11,54
